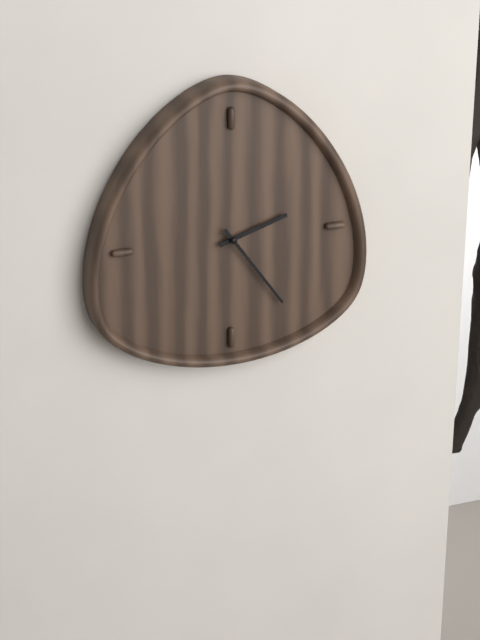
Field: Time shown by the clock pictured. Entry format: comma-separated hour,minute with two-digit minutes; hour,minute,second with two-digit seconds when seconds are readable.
2,24
